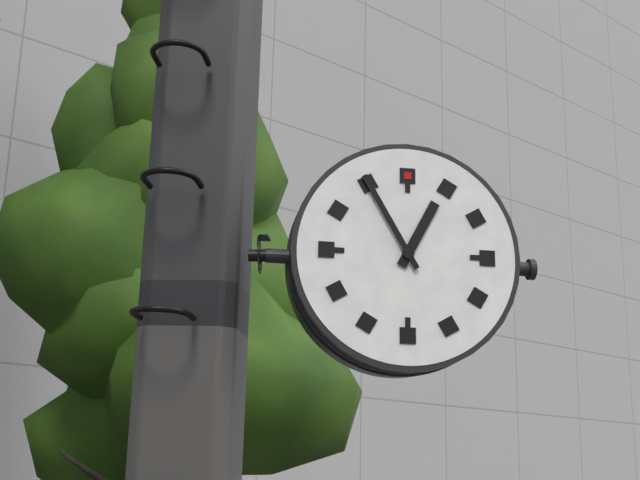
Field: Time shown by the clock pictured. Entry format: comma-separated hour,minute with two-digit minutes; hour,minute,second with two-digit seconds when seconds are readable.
12,55
